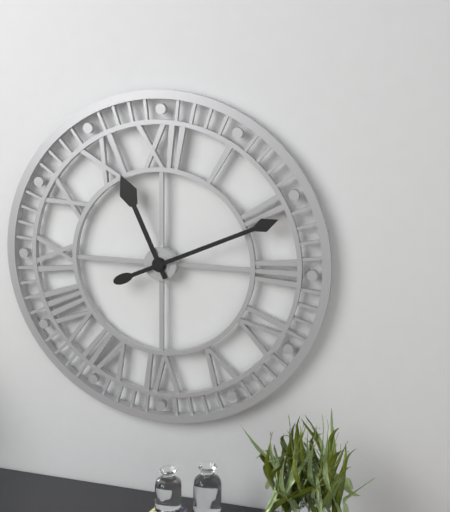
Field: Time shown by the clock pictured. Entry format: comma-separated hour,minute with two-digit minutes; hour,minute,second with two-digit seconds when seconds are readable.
11,11
